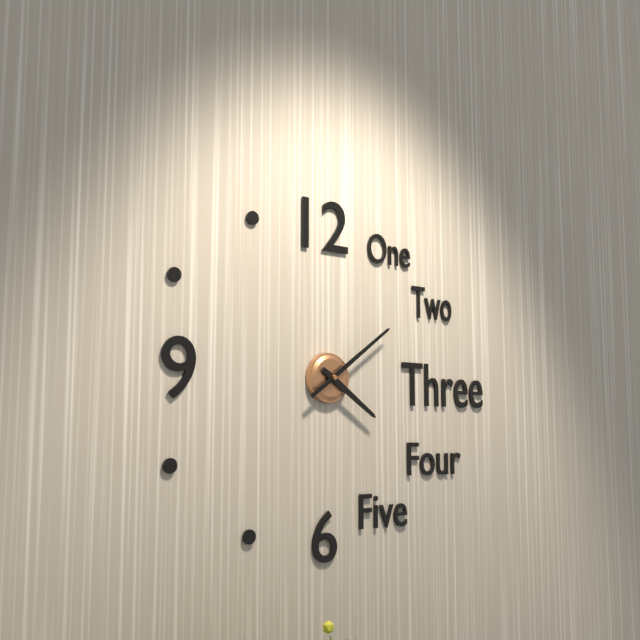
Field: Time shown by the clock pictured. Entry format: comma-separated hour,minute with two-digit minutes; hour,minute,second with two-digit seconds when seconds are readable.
4,09
